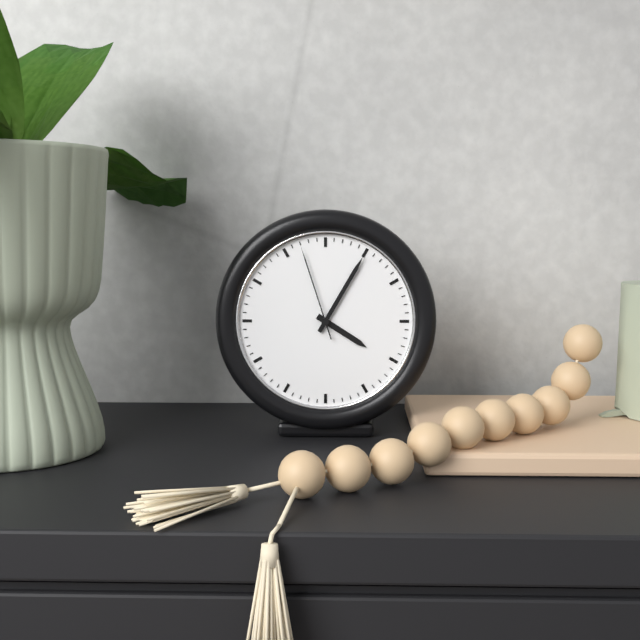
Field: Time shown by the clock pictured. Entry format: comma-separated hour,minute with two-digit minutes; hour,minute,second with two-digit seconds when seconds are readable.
4,05,57
